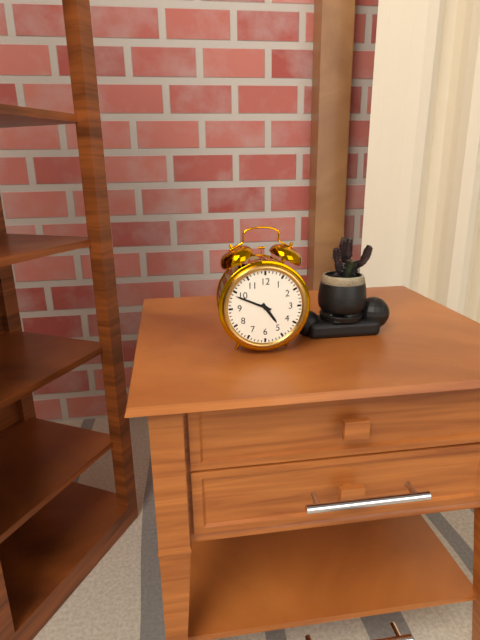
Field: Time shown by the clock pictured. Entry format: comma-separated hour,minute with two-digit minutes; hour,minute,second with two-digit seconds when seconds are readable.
4,49
